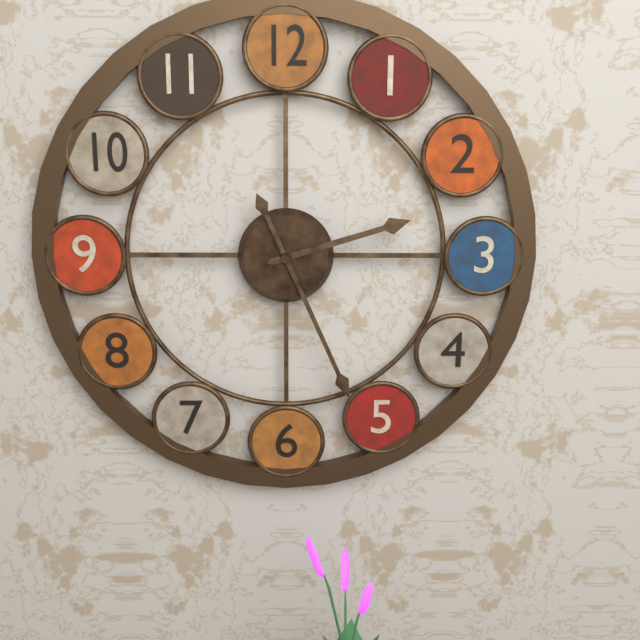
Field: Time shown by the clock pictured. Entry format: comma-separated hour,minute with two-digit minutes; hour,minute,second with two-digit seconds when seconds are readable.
2,26
